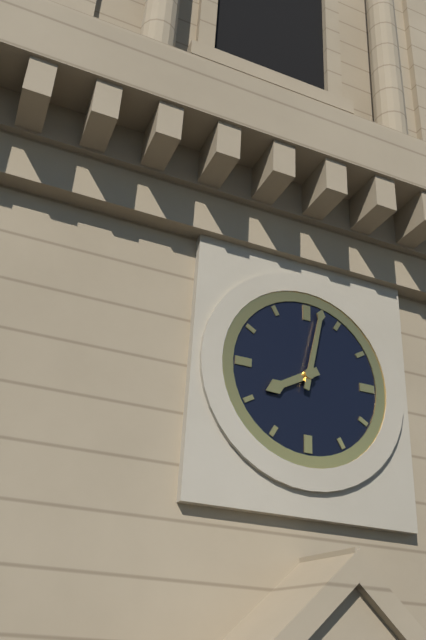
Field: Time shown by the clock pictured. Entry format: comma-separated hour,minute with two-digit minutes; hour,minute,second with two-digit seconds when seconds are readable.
8,02
